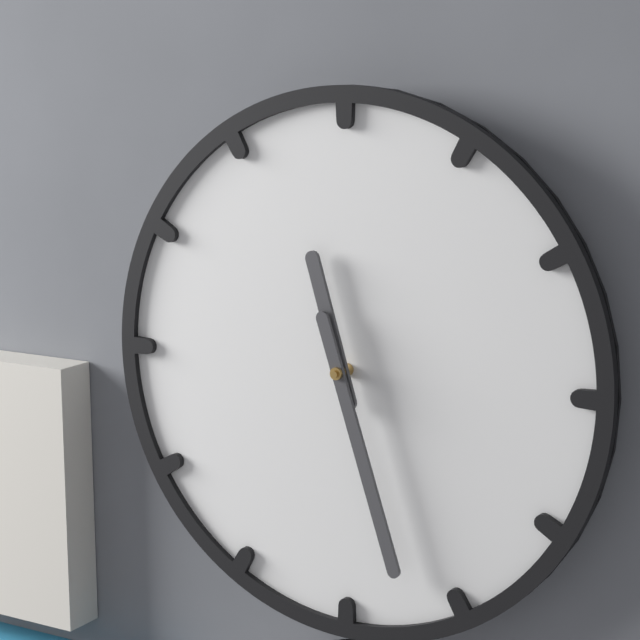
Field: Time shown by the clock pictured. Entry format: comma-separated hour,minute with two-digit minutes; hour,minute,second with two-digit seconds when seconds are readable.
11,27
